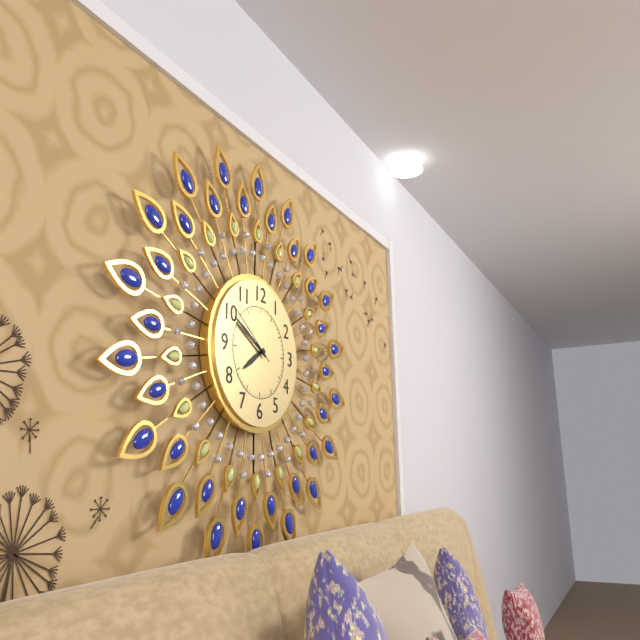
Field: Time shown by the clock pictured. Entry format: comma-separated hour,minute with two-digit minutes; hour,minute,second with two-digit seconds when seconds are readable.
7,50,51
